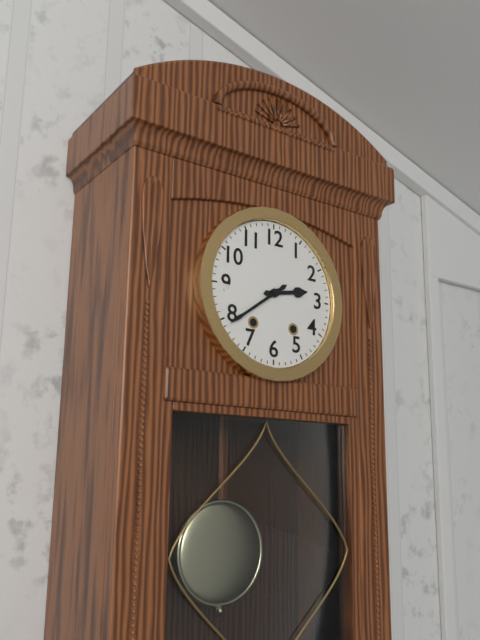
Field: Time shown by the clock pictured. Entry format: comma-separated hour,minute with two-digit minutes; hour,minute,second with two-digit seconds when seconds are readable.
2,39
